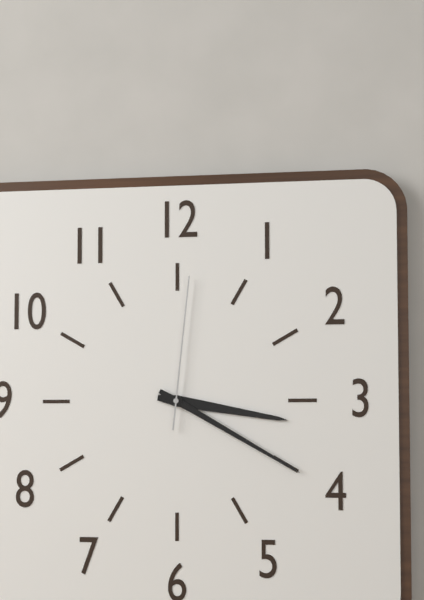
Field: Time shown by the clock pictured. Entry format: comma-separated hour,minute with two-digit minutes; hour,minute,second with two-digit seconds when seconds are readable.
3,20,01
